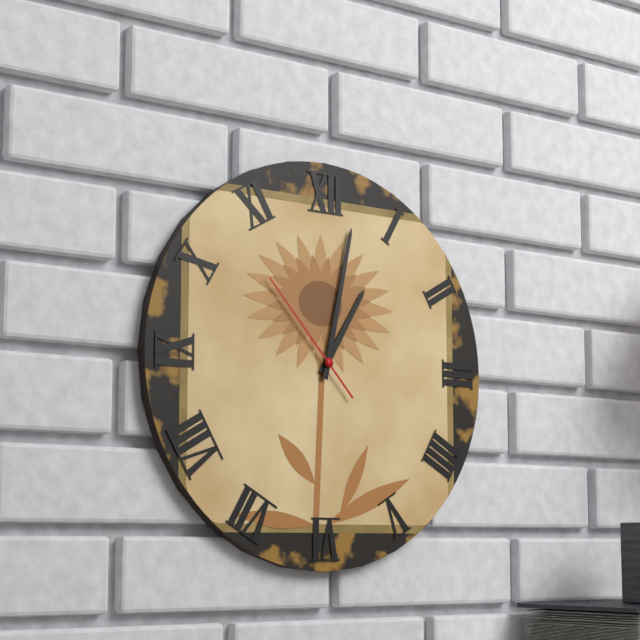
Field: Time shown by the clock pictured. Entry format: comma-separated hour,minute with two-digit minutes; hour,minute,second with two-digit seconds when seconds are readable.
1,02,53
